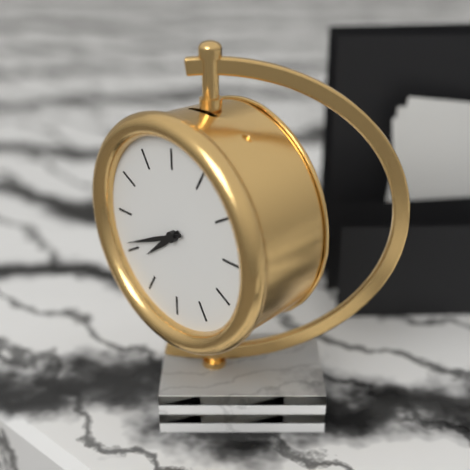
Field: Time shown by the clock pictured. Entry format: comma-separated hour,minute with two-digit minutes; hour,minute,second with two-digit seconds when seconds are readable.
7,41
